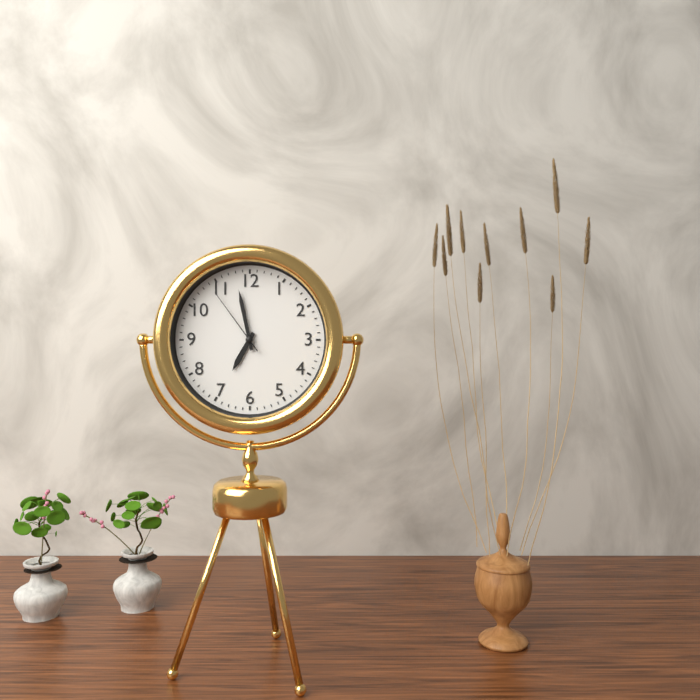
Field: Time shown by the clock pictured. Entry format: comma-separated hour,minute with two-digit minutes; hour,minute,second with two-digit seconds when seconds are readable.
6,58,54
